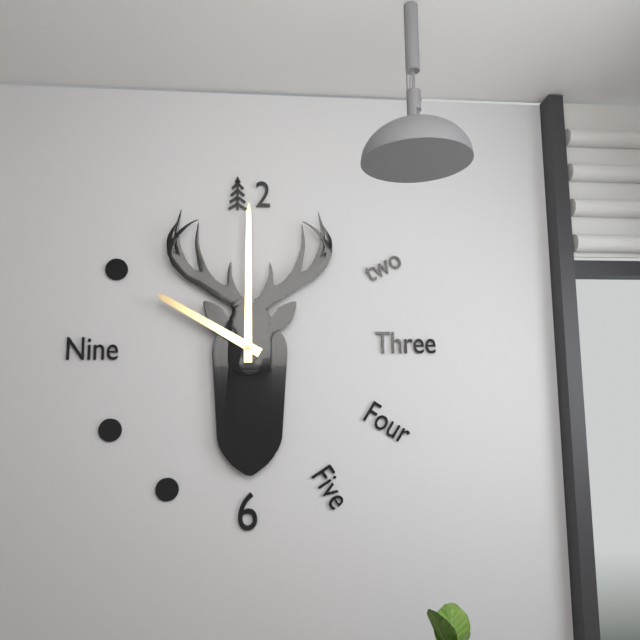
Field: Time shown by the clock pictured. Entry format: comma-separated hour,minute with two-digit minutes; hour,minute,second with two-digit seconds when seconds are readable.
10,00
